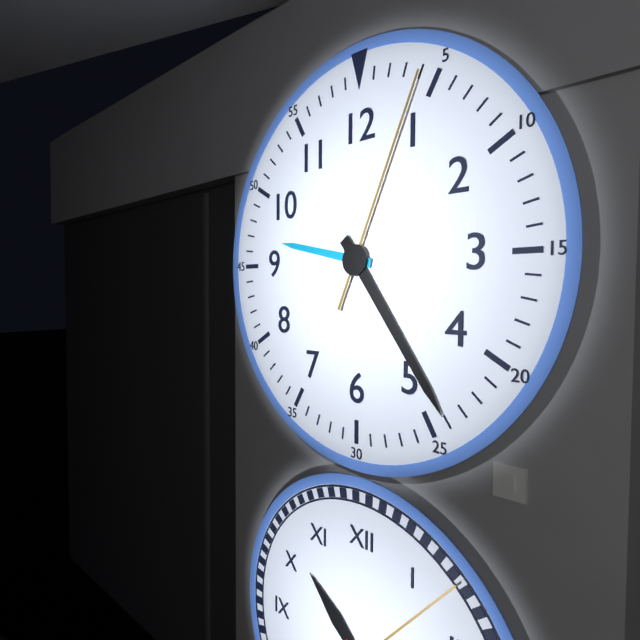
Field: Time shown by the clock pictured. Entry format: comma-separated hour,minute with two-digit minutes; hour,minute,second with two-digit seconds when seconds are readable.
9,24,04
